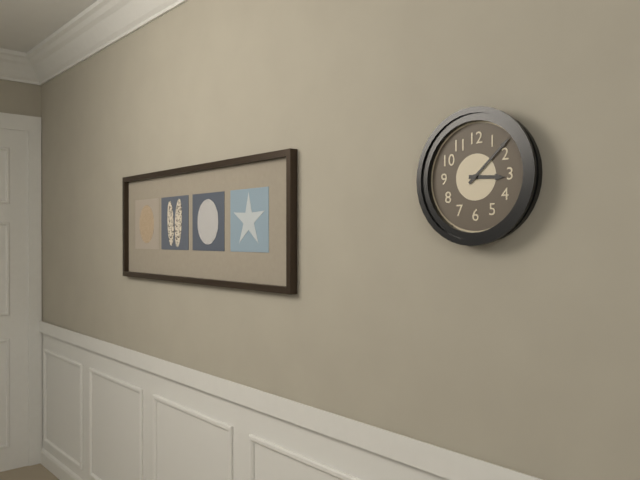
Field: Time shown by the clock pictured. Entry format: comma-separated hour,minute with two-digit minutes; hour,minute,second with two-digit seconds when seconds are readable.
3,08
